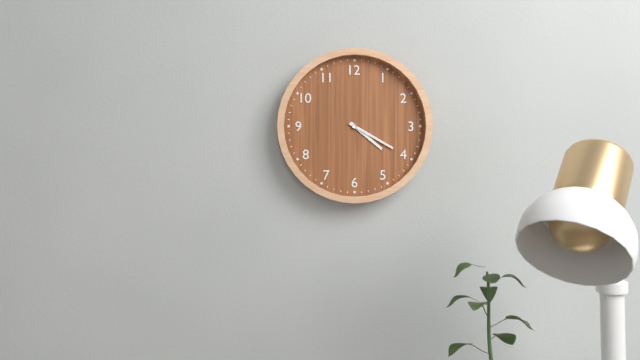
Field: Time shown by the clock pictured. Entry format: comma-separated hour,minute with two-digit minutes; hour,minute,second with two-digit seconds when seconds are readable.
4,20
